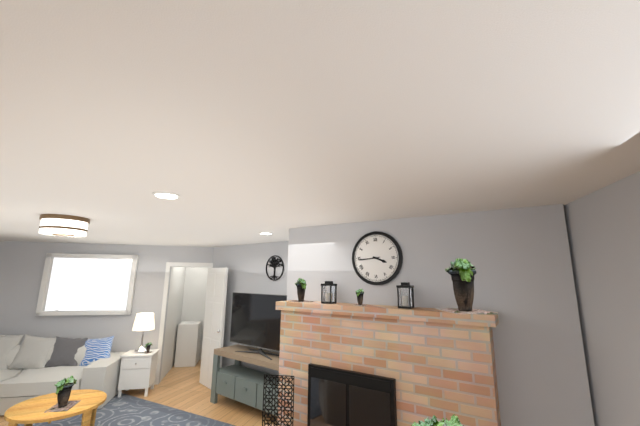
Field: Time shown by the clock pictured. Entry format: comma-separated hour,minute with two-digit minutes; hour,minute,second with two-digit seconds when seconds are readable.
3,44
